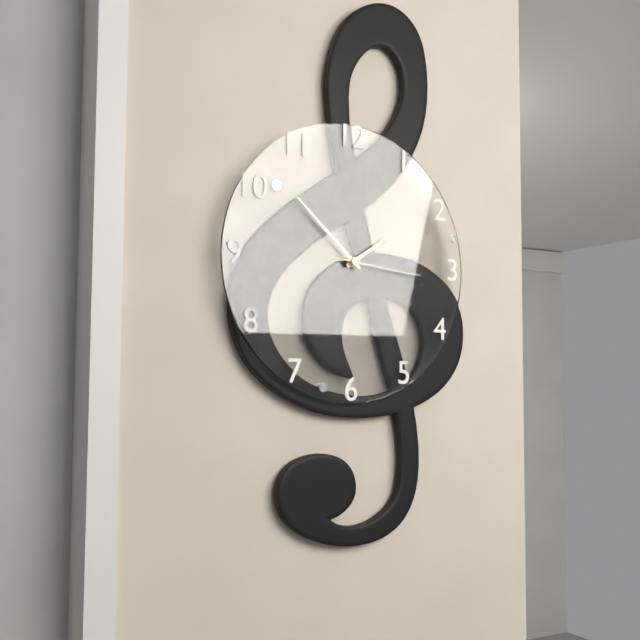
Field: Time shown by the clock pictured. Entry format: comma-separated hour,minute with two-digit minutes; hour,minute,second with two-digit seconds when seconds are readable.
1,52,16
